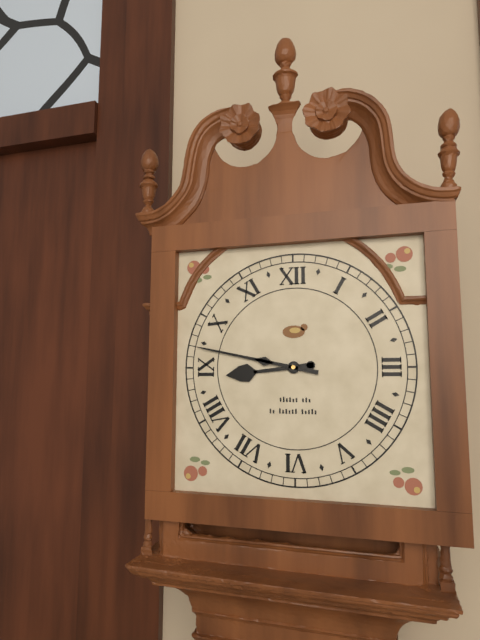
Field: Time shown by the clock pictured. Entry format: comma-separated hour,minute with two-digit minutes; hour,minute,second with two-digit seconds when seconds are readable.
8,47
